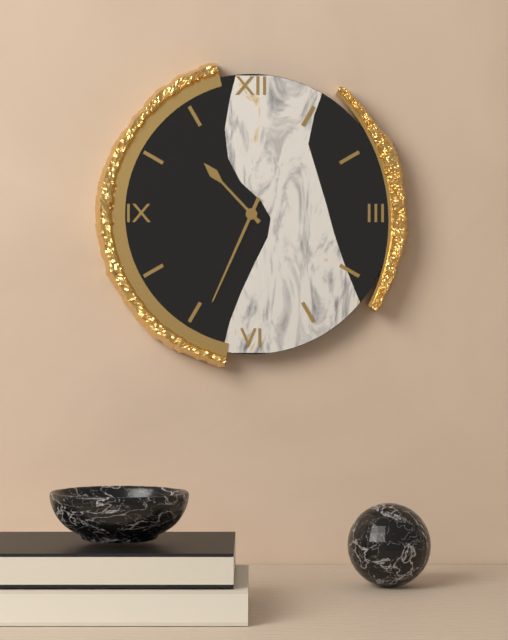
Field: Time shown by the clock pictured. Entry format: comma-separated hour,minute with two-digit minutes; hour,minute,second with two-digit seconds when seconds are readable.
10,34
